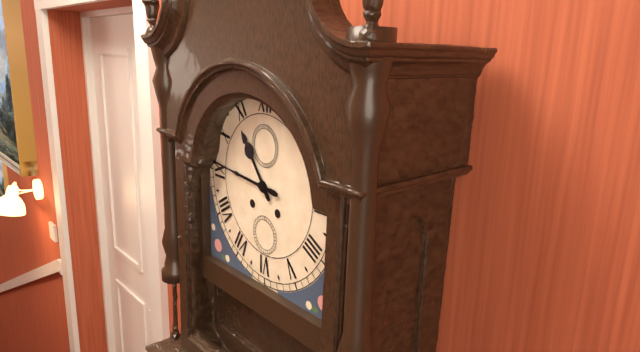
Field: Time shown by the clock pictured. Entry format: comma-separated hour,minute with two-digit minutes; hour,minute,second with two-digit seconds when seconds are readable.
10,46
